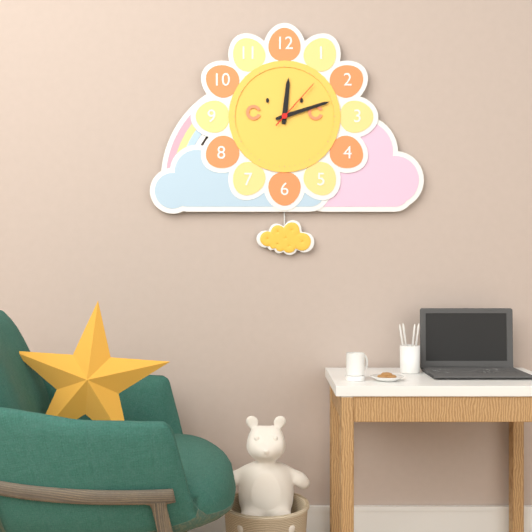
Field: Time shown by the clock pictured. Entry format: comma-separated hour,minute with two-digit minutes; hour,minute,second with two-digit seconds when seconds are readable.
12,12,07
